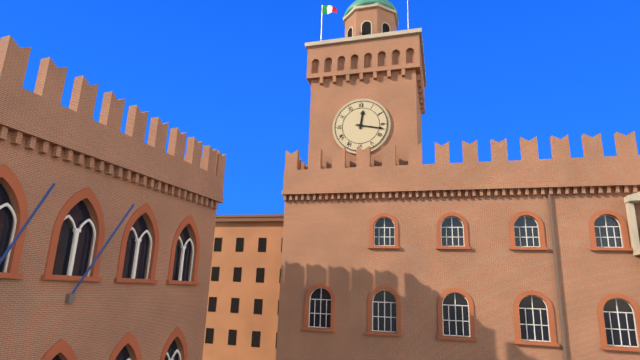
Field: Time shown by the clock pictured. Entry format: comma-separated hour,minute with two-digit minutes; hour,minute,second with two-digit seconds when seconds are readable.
12,17
